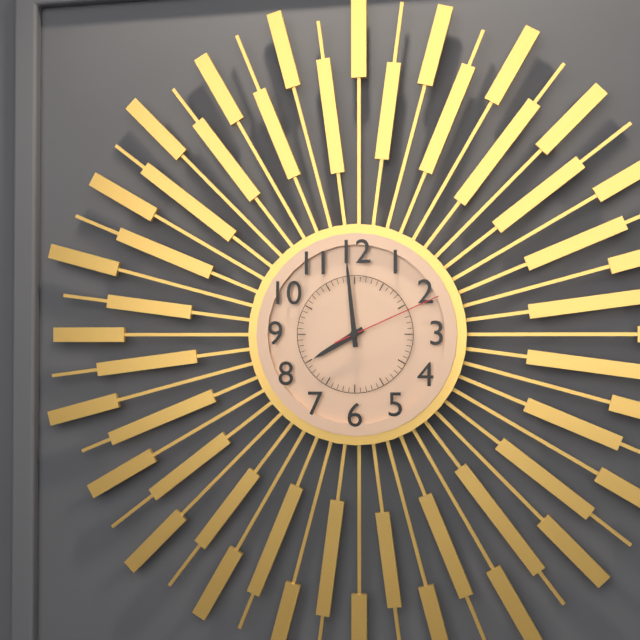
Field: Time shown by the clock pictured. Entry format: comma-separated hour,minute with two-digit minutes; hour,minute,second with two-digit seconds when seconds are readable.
7,59,11
